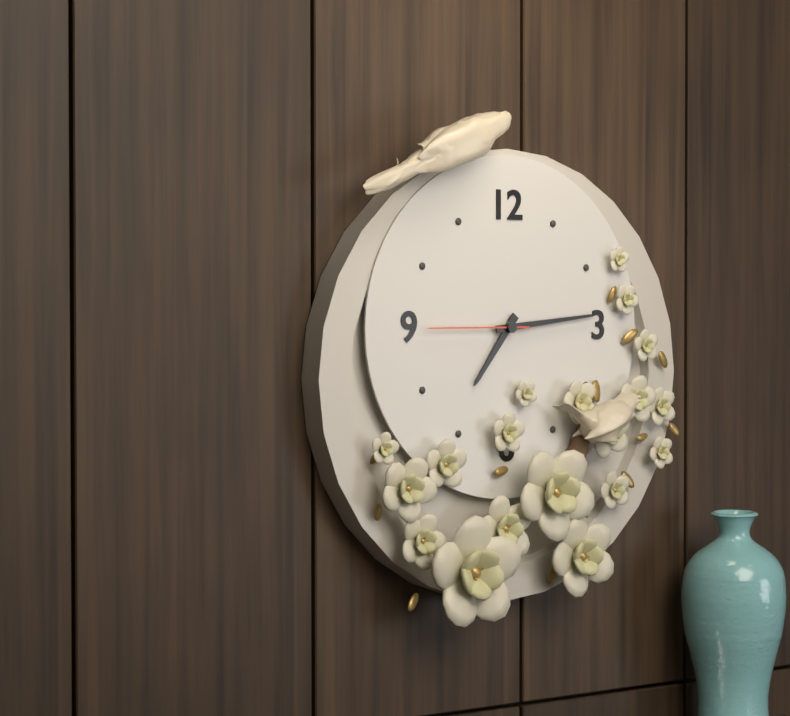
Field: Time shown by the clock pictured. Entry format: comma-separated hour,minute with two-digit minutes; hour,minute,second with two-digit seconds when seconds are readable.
7,14,45
